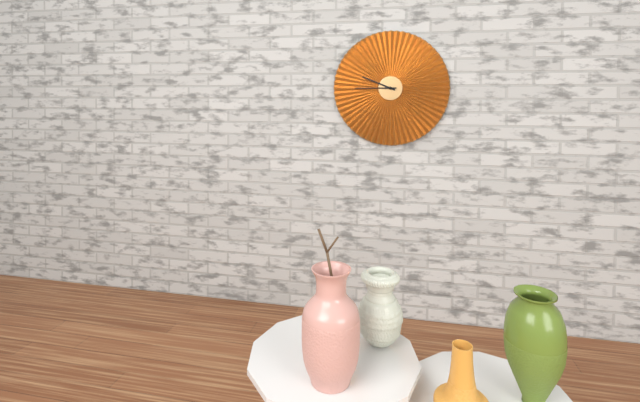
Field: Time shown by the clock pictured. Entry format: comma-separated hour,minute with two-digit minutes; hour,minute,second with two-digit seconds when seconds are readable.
9,45
